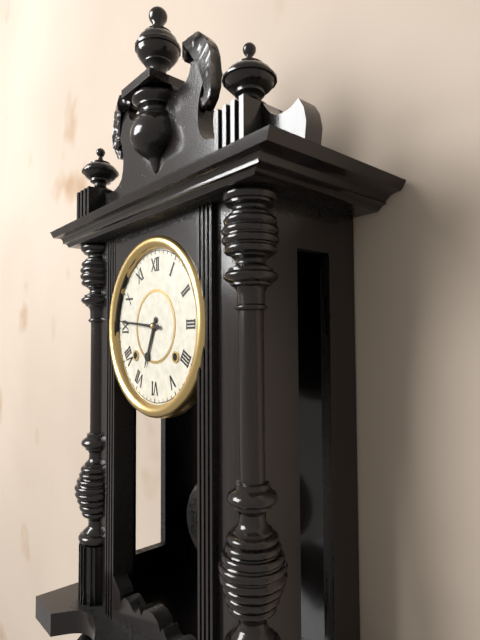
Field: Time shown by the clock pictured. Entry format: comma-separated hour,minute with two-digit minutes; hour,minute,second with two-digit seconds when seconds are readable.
6,46
